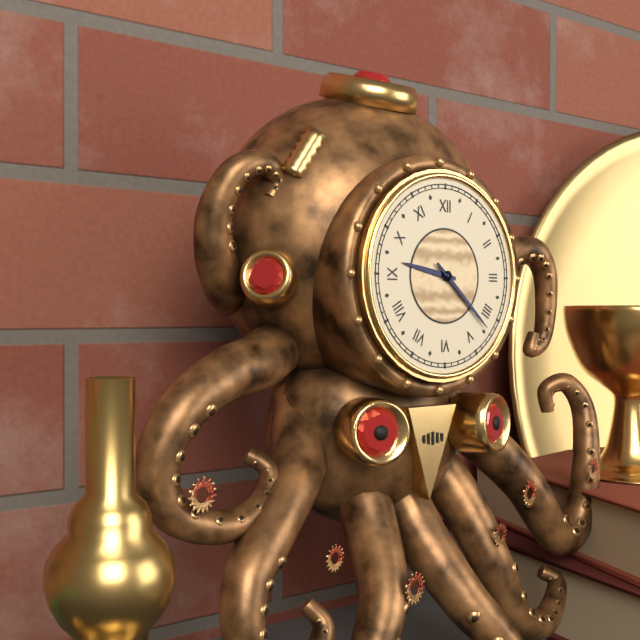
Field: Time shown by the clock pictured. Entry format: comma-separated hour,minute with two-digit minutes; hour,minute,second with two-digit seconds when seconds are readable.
9,22
